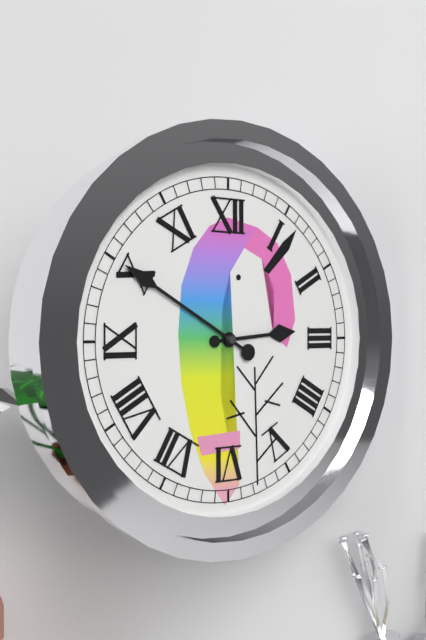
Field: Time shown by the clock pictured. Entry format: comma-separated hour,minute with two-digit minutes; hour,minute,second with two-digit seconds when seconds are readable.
2,50
